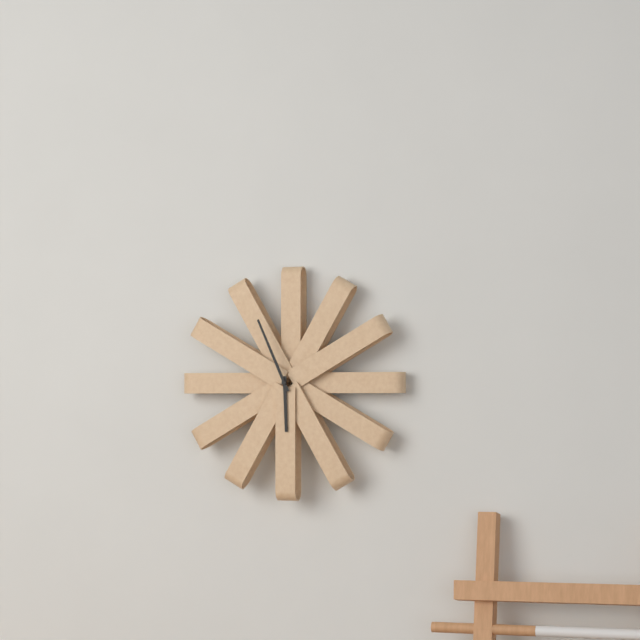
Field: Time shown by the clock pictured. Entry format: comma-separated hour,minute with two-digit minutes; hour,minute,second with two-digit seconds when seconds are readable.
5,56
